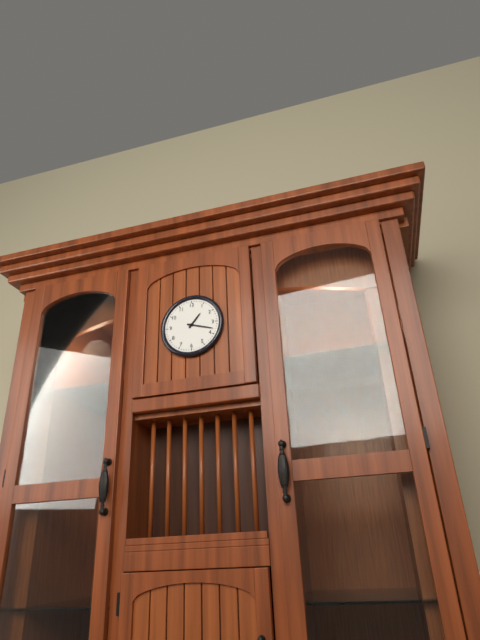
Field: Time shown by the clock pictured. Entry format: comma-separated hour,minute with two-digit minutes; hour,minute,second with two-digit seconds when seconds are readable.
1,18
